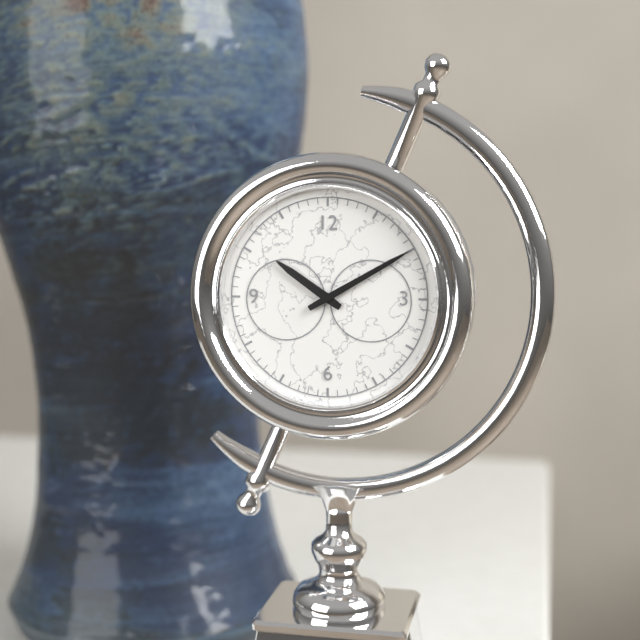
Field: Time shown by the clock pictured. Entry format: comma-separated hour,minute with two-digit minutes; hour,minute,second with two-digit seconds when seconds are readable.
10,10
